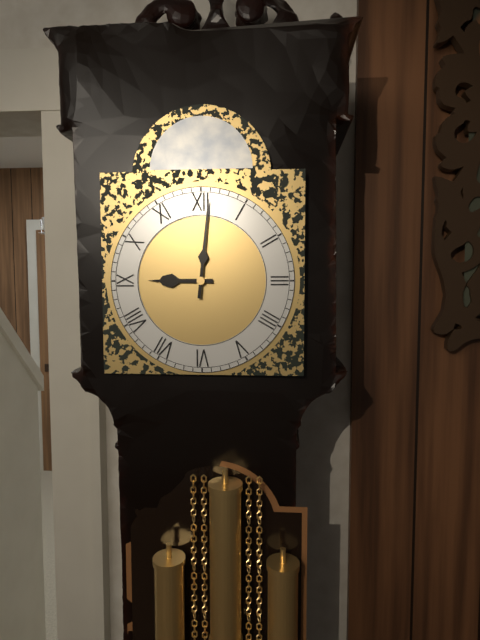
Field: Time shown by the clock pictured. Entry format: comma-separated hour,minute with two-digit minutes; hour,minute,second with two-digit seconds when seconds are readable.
9,01
